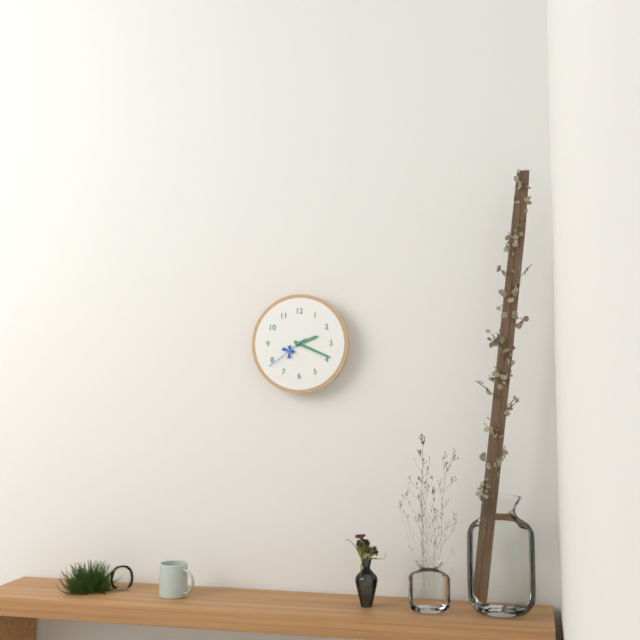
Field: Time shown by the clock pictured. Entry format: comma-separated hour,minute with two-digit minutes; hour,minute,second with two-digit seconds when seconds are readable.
2,19
